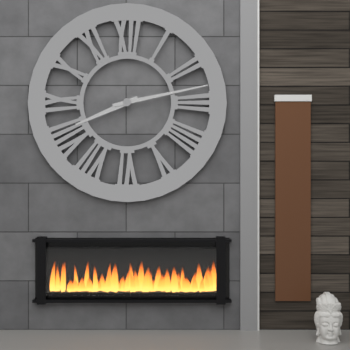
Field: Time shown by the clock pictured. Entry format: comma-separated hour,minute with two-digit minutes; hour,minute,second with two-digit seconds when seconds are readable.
8,13
